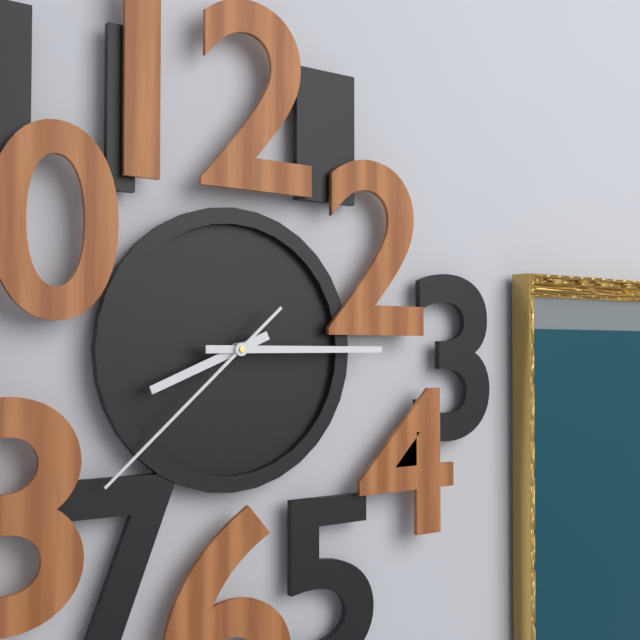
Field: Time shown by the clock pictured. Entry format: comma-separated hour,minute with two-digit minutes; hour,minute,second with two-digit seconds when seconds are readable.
8,15,38
